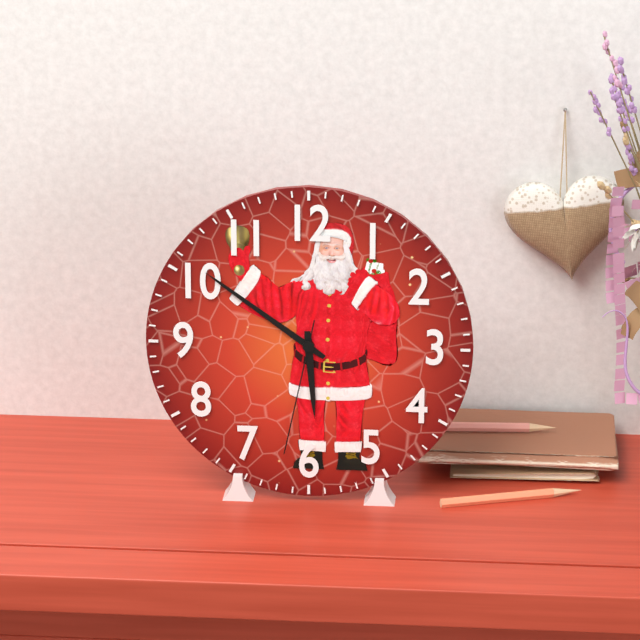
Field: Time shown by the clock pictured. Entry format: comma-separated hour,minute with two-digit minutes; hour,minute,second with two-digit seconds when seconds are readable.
5,51,32
